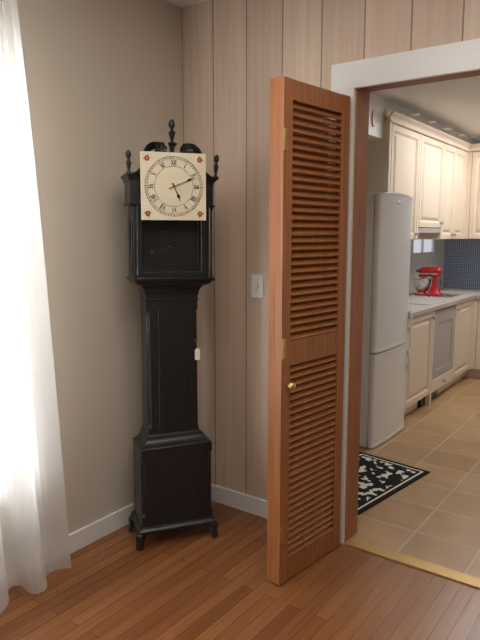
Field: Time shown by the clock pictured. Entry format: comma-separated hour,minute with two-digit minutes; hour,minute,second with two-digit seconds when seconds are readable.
5,11
